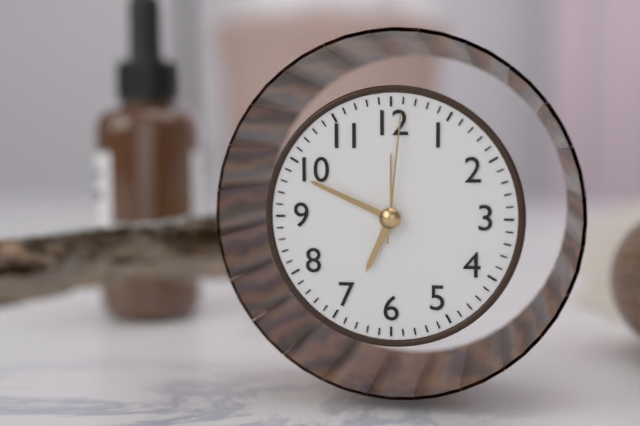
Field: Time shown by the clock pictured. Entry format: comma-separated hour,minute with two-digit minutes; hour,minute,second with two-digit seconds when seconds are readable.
6,49,01
